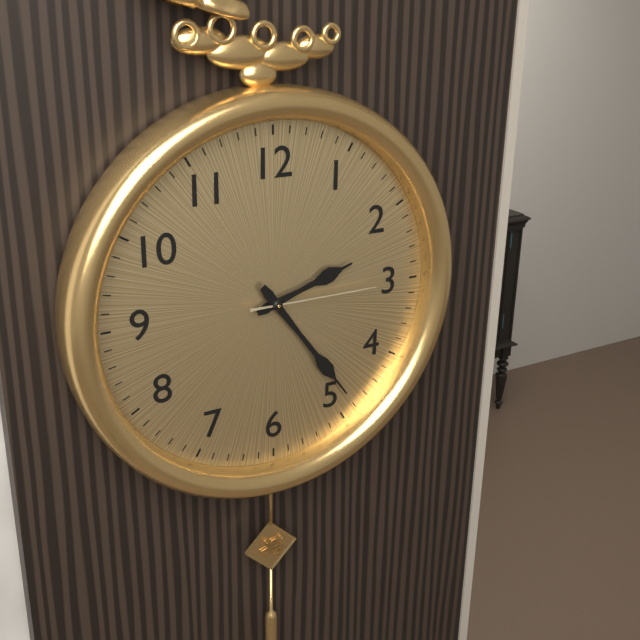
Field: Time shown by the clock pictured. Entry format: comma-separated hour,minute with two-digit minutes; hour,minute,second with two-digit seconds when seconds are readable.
2,24,15
